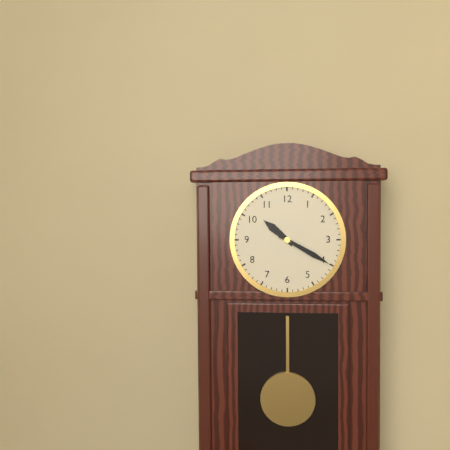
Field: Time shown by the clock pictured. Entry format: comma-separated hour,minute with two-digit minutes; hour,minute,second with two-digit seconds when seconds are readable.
10,20
